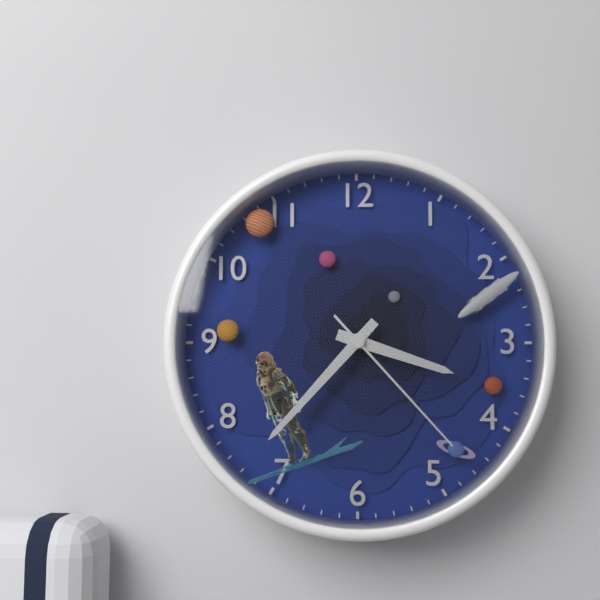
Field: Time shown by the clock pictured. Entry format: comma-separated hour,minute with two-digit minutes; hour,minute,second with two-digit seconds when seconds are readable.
3,37,23
